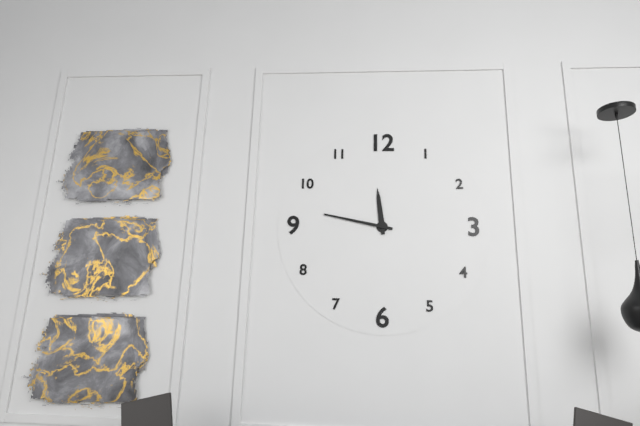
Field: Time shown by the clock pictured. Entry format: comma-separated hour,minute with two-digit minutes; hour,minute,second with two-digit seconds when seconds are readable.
11,47
